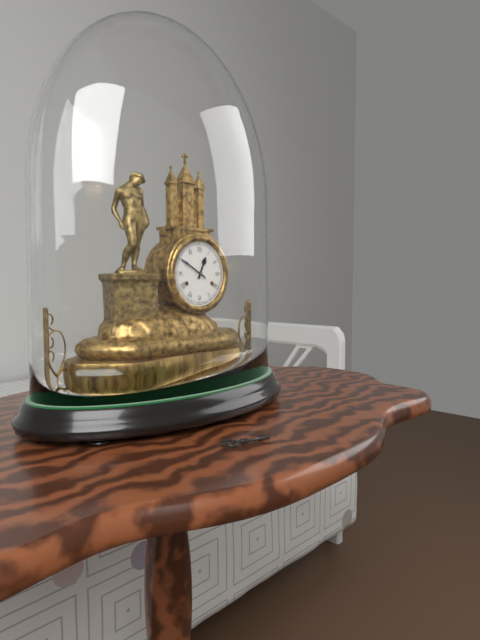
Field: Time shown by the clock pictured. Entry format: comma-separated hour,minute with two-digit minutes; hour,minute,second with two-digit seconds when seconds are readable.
12,50
